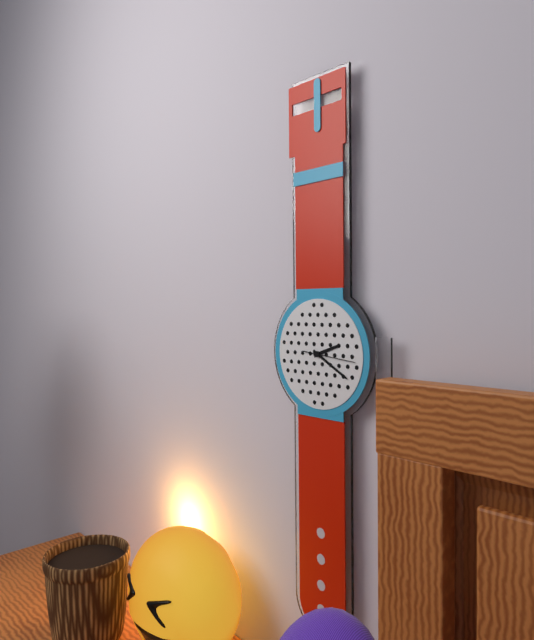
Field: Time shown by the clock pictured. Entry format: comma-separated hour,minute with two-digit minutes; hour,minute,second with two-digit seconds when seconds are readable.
2,20
